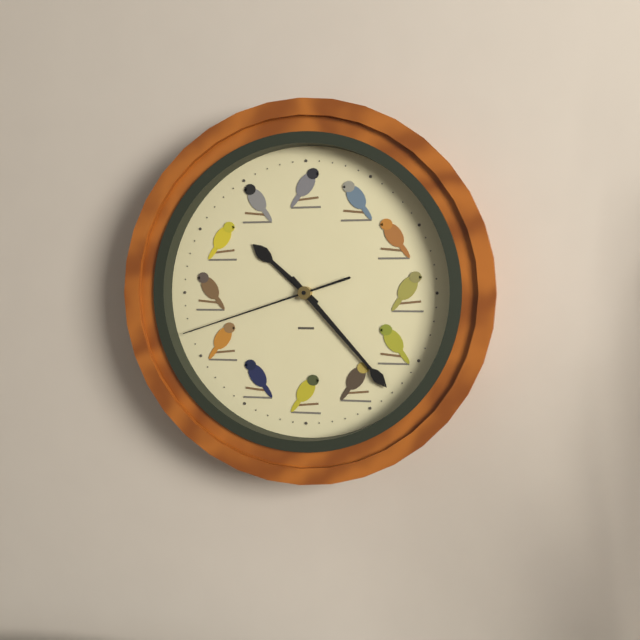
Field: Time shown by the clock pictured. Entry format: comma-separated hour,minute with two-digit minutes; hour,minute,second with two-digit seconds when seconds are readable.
10,23,42
